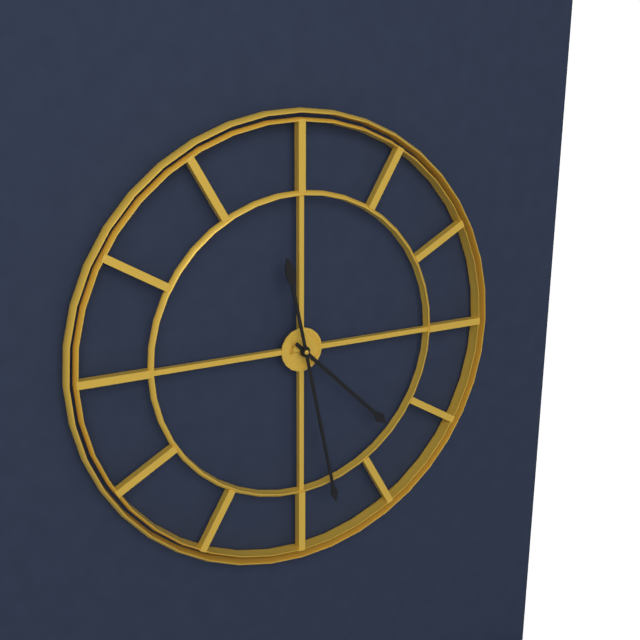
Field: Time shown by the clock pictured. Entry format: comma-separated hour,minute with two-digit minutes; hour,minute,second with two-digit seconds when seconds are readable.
4,28
